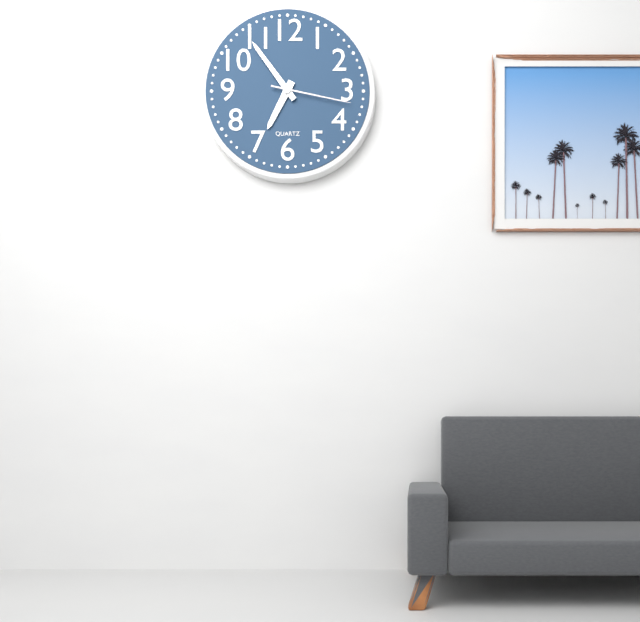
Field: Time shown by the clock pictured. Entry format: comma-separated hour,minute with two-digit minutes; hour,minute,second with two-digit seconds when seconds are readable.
6,54,17
